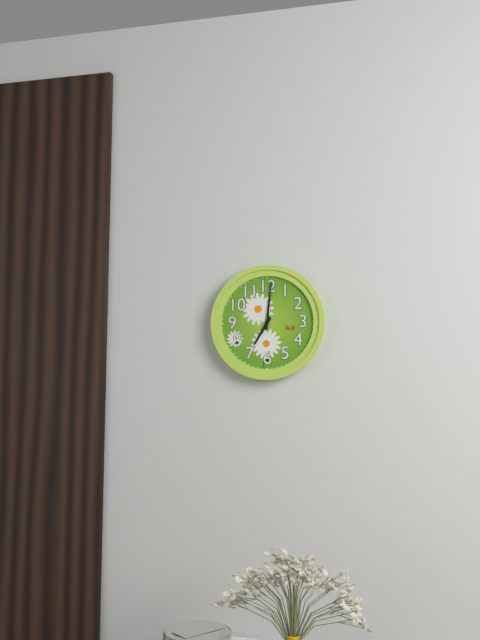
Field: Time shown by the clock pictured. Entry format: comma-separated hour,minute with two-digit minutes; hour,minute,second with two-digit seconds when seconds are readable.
7,01
